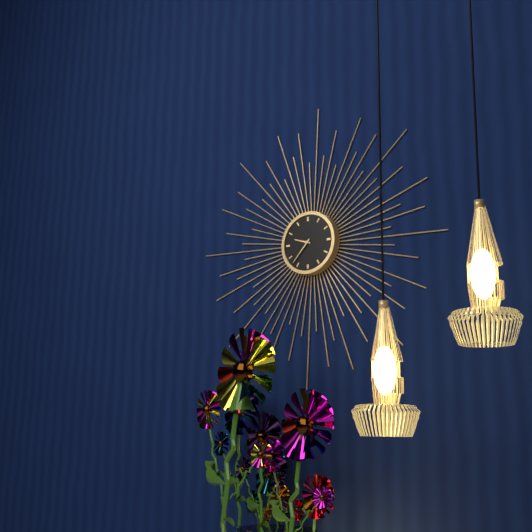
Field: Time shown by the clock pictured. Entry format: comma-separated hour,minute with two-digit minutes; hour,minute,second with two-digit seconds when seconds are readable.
9,37
